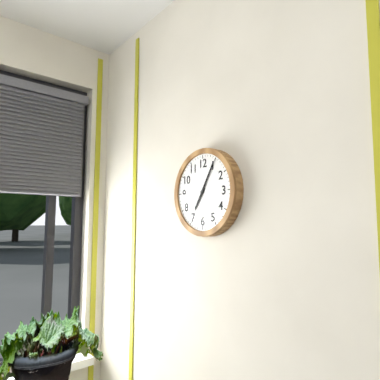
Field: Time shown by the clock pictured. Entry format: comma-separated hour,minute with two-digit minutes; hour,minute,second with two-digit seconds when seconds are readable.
7,05
